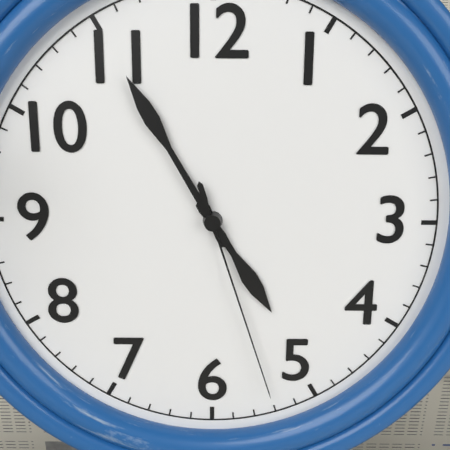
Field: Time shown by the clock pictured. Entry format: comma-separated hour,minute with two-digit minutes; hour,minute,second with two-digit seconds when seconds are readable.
4,55,27
